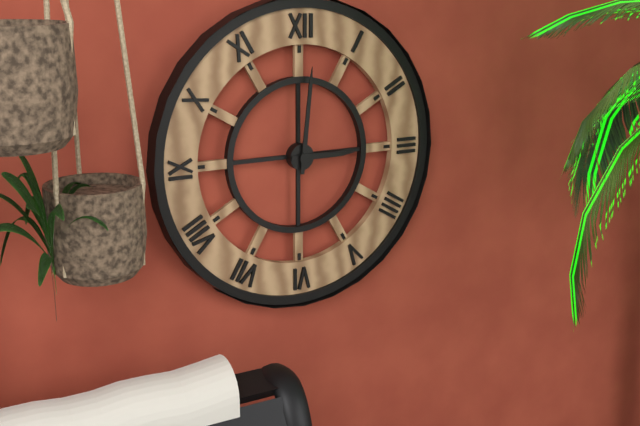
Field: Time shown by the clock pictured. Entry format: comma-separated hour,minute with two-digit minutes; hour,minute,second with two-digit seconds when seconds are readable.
3,01
